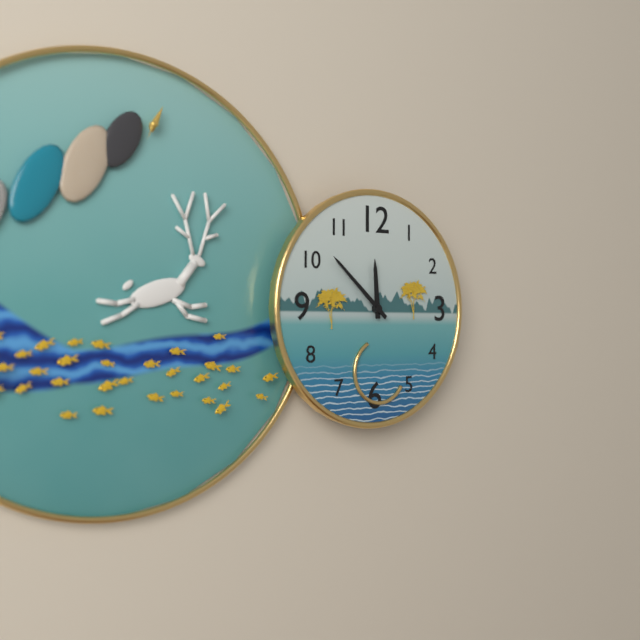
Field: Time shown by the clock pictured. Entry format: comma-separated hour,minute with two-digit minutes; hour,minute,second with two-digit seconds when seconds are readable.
11,52
